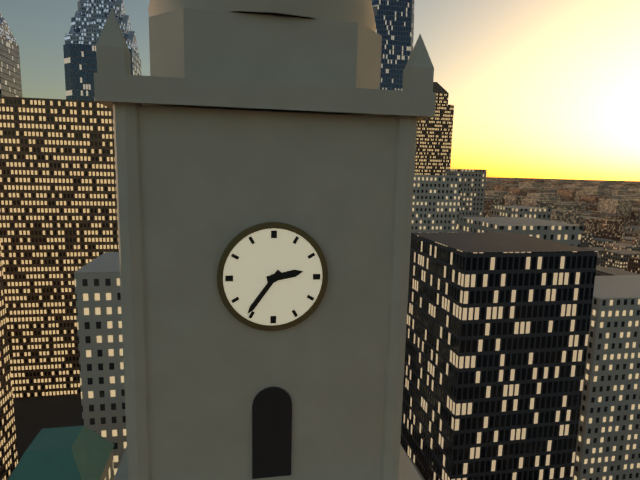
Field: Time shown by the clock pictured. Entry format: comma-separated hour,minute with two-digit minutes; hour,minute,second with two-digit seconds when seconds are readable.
2,36
